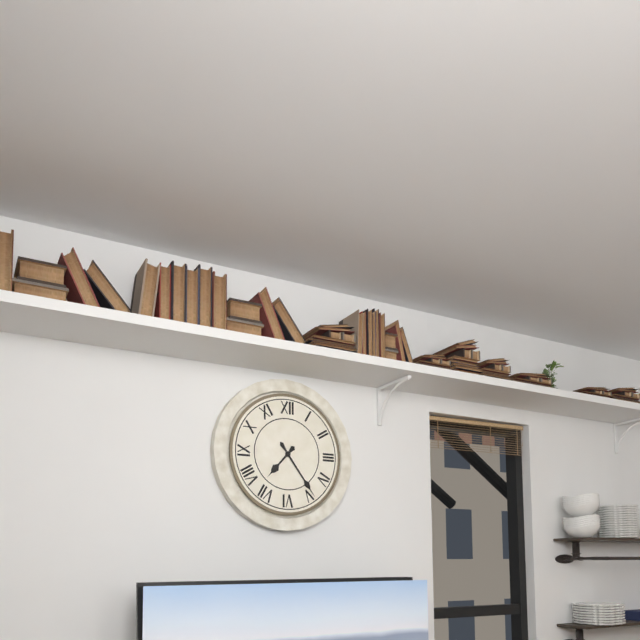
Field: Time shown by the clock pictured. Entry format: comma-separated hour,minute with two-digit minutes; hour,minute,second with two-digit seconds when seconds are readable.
7,24
